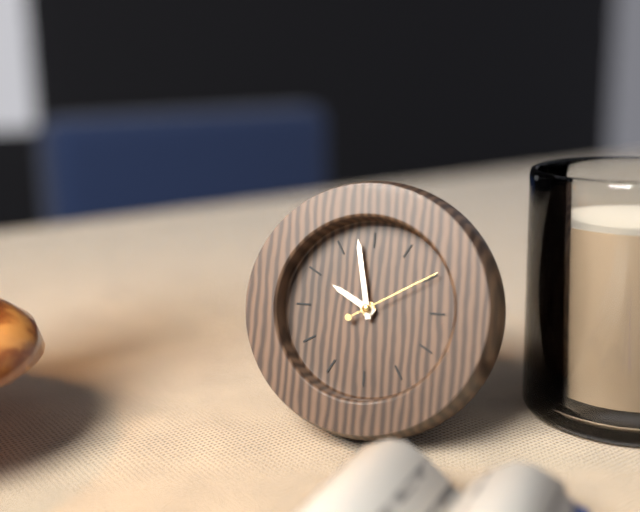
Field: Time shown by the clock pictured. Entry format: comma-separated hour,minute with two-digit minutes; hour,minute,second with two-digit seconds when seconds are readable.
9,58,10
